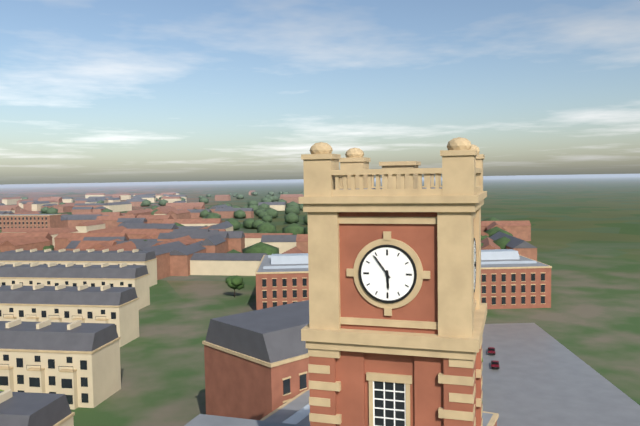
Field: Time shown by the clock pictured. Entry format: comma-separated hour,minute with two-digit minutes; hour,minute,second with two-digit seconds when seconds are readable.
5,54
